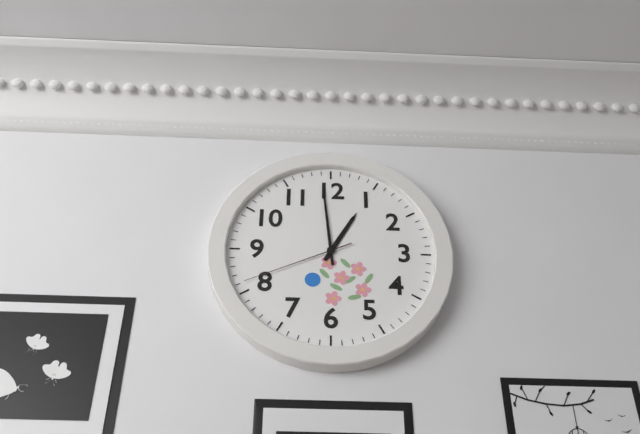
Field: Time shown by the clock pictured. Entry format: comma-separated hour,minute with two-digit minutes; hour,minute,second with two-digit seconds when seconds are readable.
12,59,41
